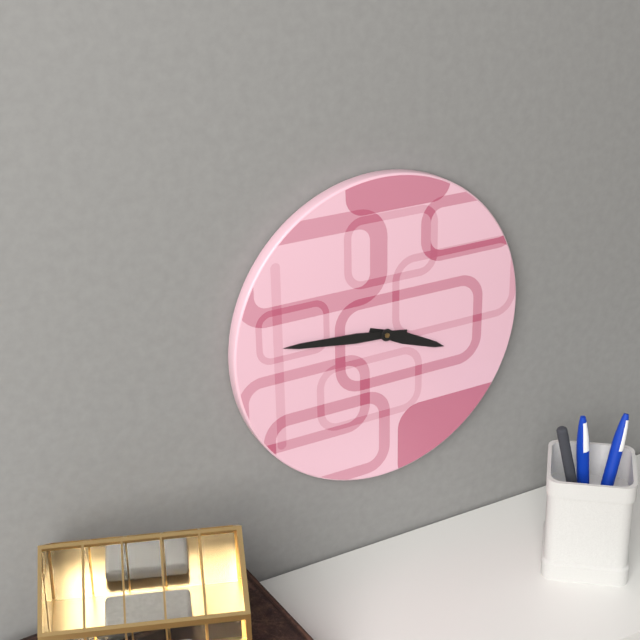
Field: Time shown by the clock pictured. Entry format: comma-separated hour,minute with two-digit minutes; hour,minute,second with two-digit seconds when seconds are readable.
3,46
